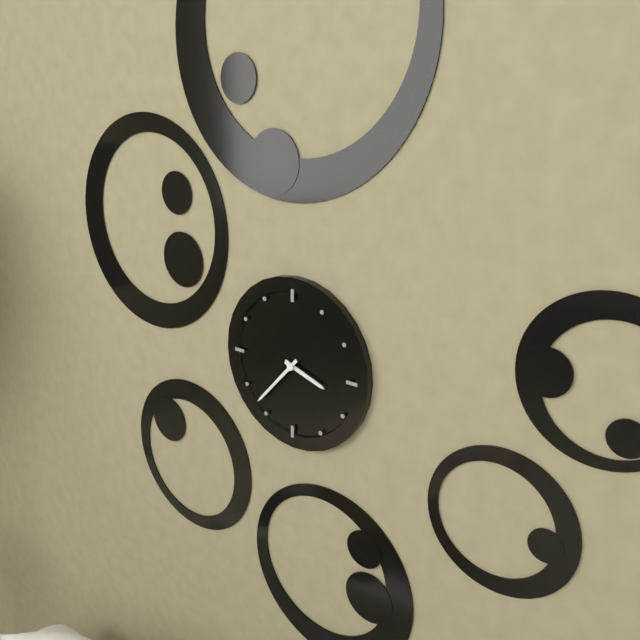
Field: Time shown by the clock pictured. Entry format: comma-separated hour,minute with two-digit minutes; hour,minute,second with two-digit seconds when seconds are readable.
3,37
